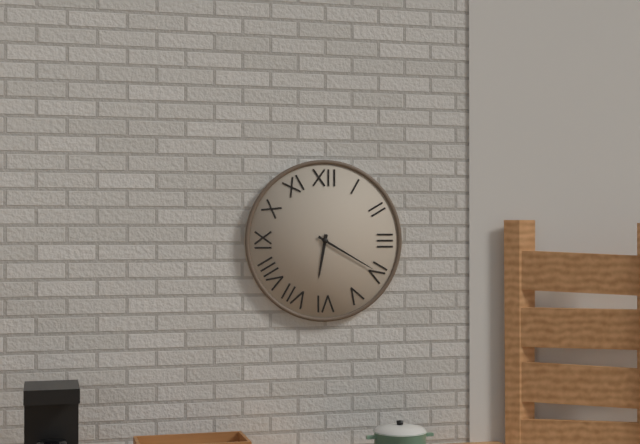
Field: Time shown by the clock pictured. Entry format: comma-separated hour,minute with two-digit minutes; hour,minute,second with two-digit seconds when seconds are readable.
6,20
